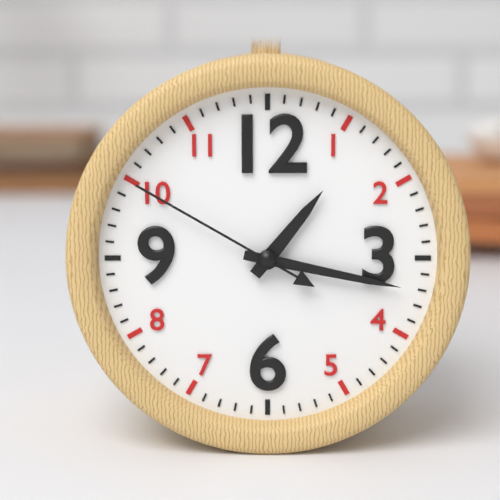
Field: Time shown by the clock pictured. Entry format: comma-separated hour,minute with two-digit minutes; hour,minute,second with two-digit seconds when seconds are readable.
1,17,50
